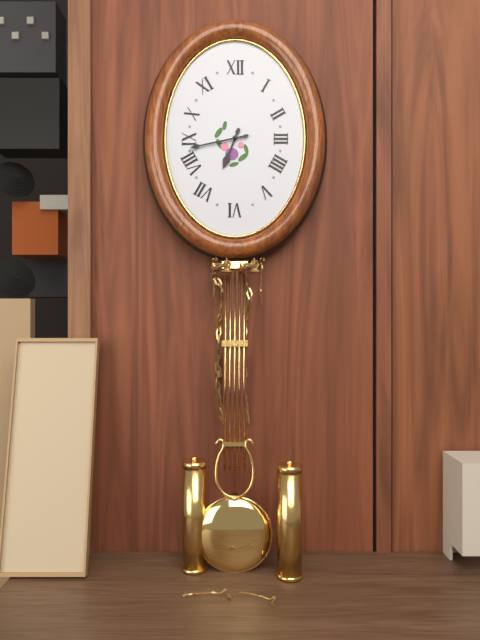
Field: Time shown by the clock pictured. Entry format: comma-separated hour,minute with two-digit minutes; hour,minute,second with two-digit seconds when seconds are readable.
6,43
